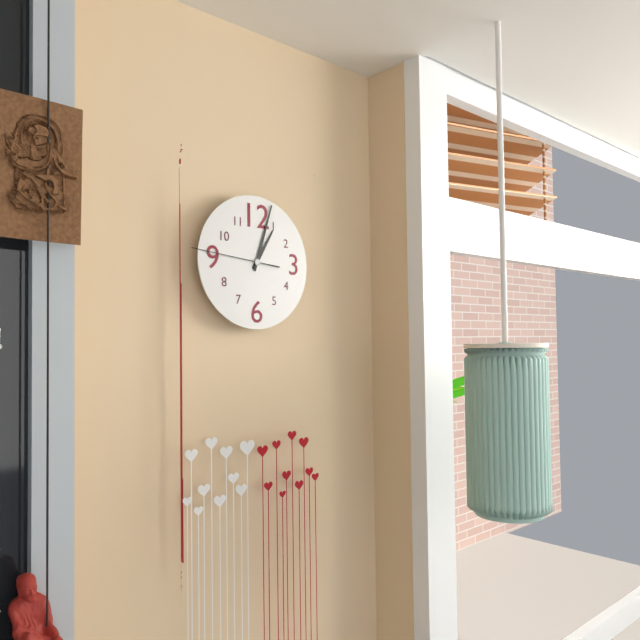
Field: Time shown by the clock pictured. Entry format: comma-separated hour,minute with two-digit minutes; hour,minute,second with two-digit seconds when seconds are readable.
1,03,46
